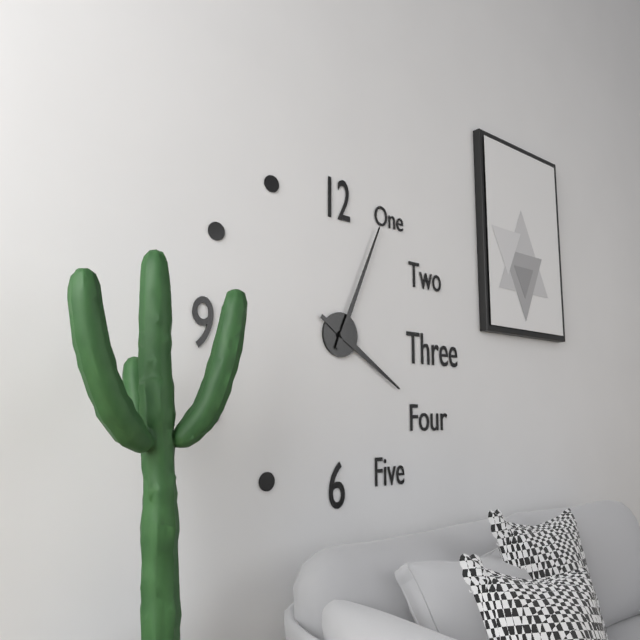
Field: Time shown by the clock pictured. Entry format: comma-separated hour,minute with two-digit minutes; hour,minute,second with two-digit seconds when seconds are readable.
4,04
